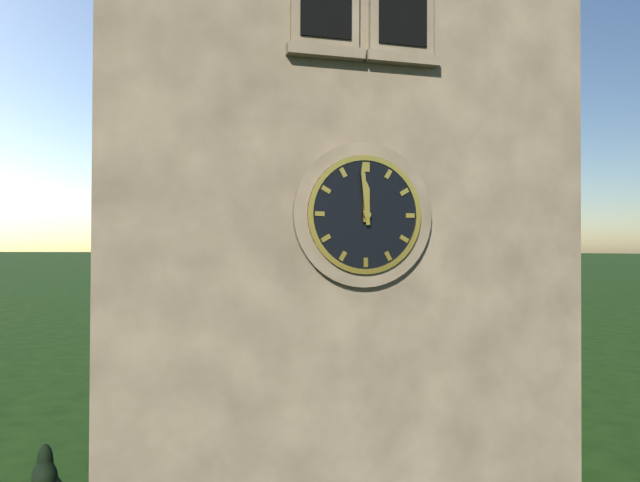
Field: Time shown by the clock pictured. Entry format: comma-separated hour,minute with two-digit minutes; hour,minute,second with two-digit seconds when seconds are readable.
11,59
